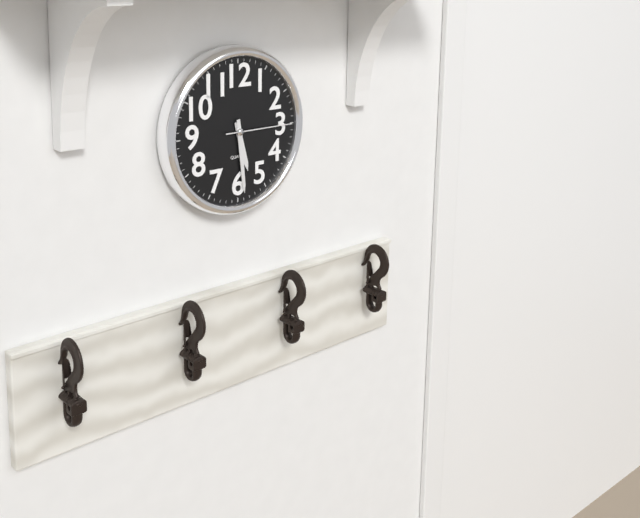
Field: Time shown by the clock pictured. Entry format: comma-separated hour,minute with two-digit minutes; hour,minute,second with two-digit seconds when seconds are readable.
5,29,15
